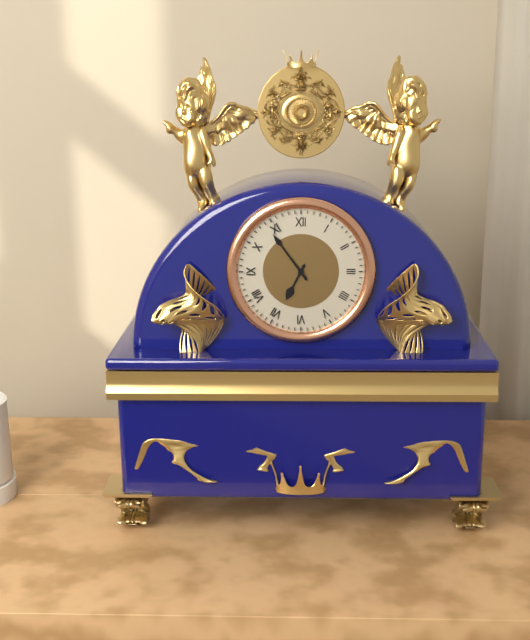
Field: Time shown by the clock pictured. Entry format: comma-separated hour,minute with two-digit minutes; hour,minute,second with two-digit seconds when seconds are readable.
6,54
